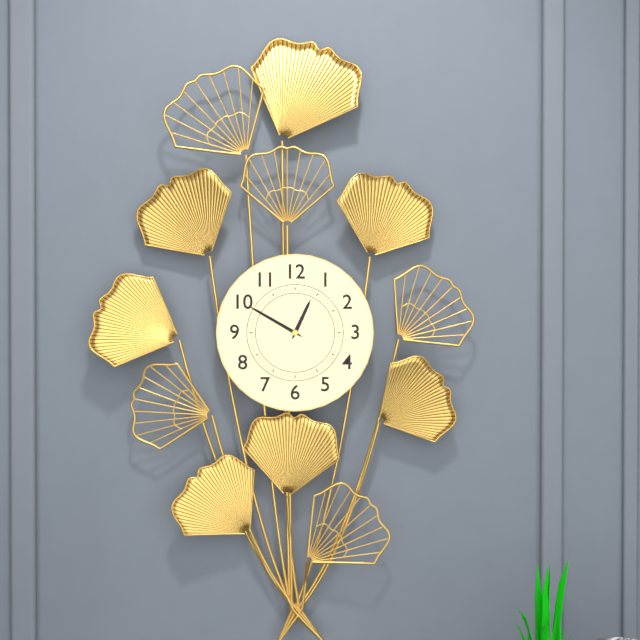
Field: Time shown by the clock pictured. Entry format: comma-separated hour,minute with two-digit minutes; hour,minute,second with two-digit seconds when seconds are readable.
12,50
